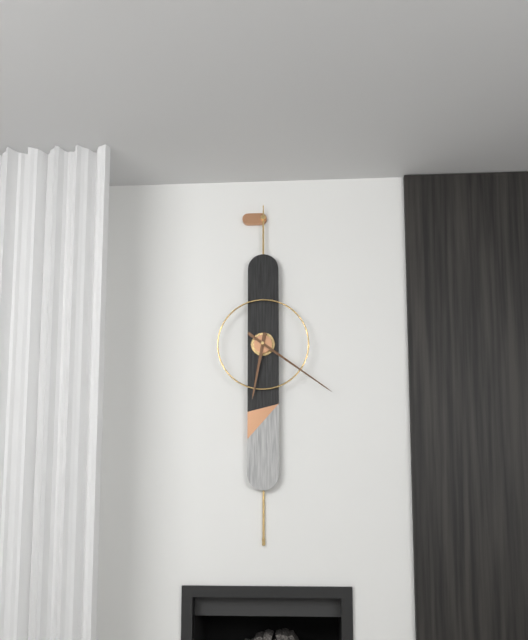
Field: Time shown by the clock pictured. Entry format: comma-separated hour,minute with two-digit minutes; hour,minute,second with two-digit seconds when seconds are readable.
6,21
